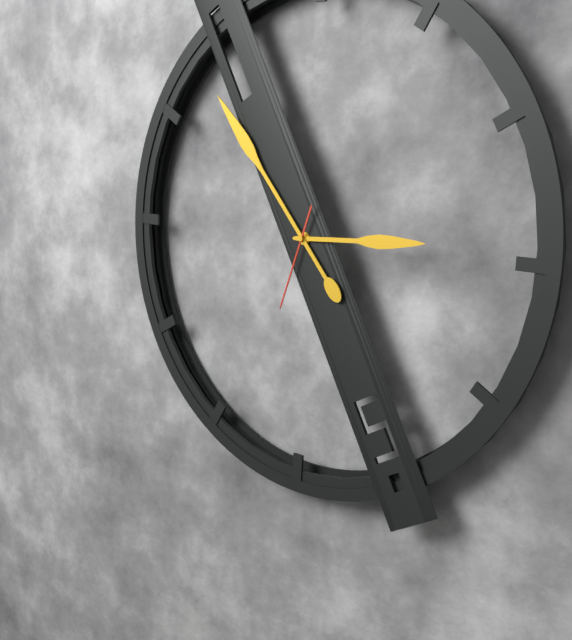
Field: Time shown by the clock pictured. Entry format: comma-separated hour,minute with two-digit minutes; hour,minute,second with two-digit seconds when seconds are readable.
2,53,33
